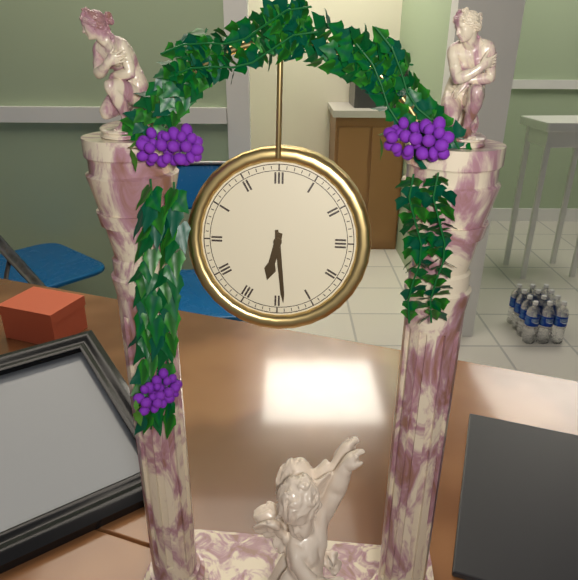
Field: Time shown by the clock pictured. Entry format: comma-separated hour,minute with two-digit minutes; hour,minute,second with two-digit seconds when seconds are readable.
6,29
